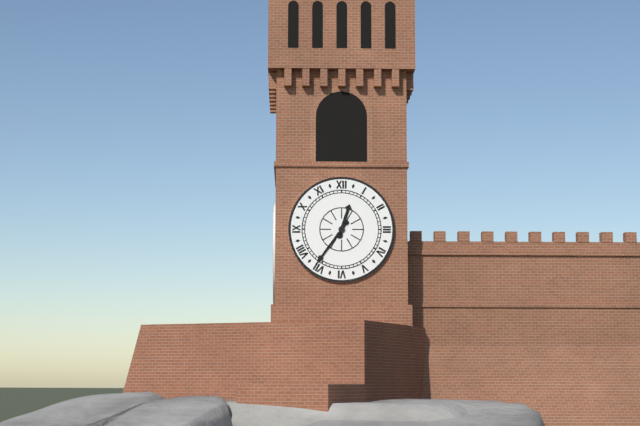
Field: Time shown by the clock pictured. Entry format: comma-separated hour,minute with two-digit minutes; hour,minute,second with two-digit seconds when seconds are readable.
12,36
